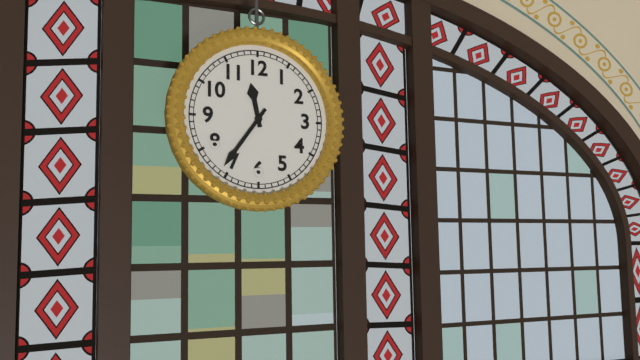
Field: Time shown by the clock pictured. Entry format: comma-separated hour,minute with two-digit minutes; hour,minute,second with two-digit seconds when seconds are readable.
11,36
